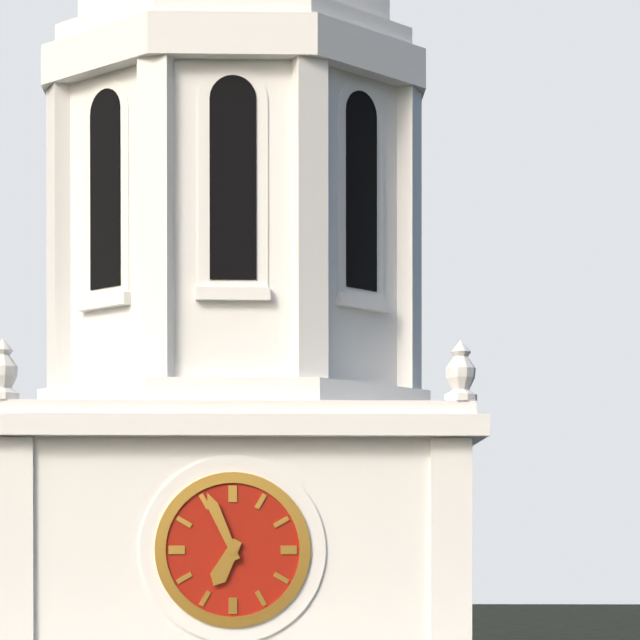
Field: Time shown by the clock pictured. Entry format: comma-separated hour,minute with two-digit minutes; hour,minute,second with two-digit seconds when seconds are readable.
6,56
